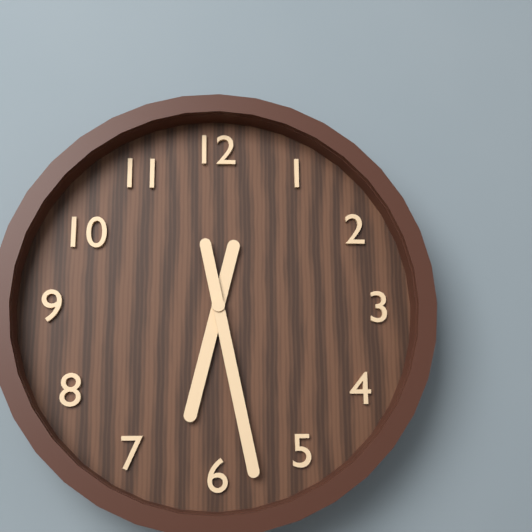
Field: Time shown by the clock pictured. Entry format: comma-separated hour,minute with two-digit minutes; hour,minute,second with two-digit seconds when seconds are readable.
6,28
